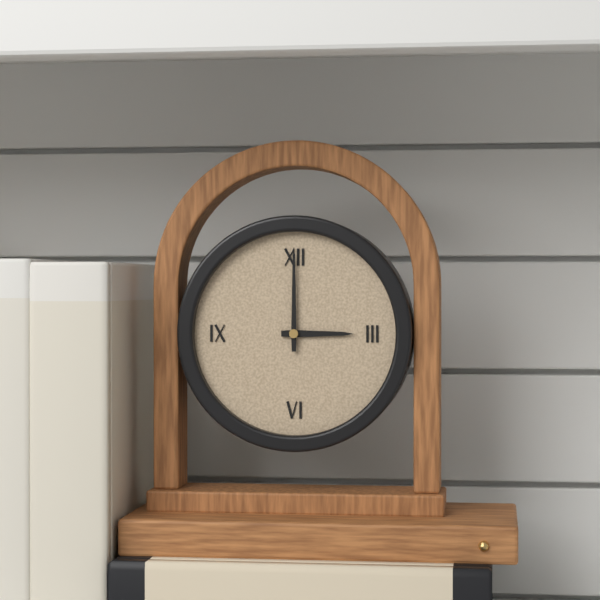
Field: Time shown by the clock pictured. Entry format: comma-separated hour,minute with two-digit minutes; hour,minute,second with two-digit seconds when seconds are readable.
3,00
